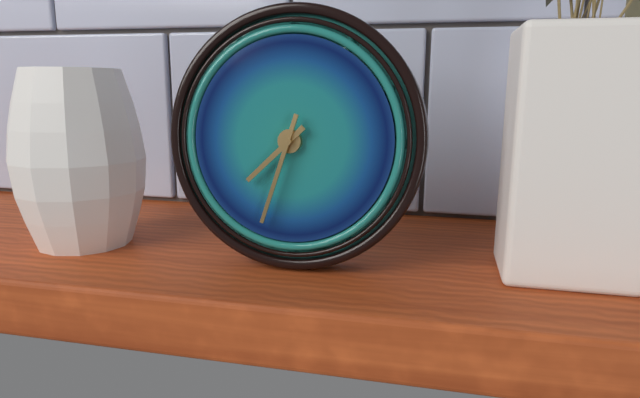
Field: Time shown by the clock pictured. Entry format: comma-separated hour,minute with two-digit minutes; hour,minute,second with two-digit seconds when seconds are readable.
7,33
